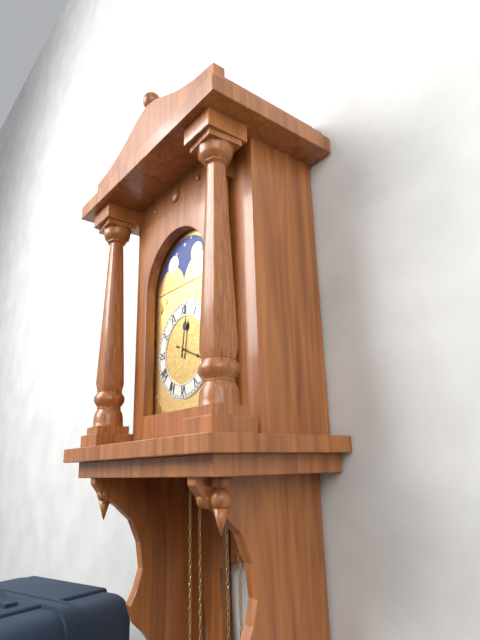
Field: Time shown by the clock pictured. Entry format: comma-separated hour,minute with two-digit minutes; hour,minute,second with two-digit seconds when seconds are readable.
12,19
